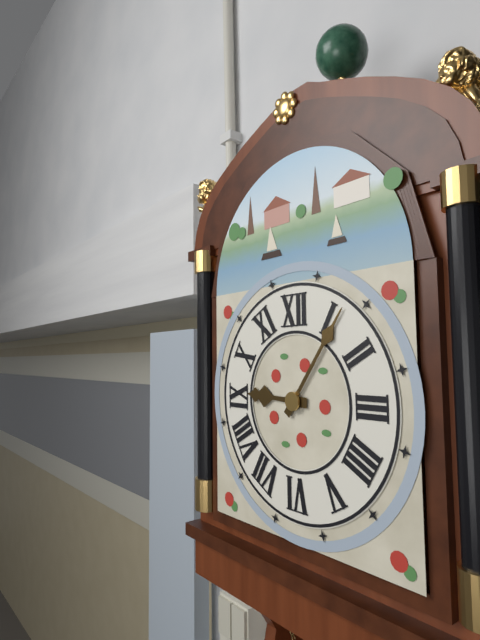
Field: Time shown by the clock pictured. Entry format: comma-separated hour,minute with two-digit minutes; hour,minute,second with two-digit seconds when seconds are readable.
9,06
